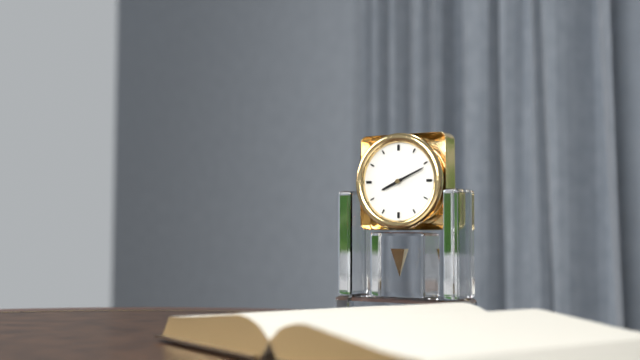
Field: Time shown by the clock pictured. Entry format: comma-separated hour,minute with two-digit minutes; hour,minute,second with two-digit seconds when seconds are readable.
8,11
